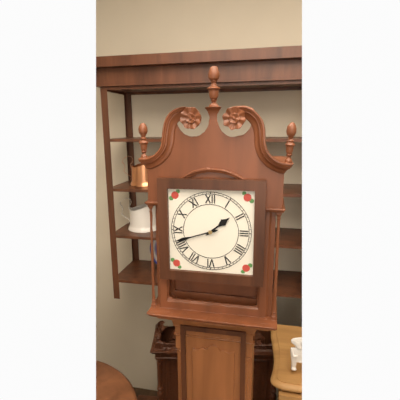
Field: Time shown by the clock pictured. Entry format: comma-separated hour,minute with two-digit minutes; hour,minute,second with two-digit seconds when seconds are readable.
1,42
